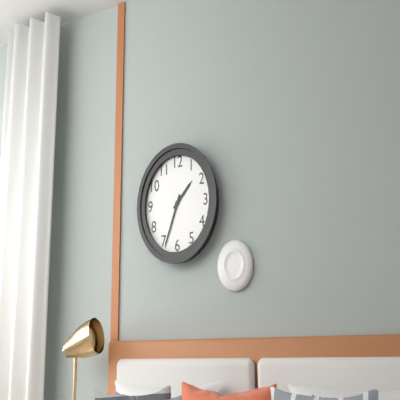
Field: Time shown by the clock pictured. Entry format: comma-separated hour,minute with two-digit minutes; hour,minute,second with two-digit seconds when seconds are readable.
1,34
